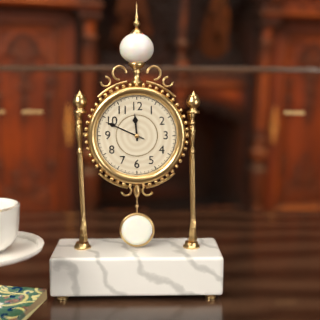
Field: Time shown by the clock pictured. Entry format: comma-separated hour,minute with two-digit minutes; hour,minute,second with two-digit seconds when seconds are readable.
11,49
